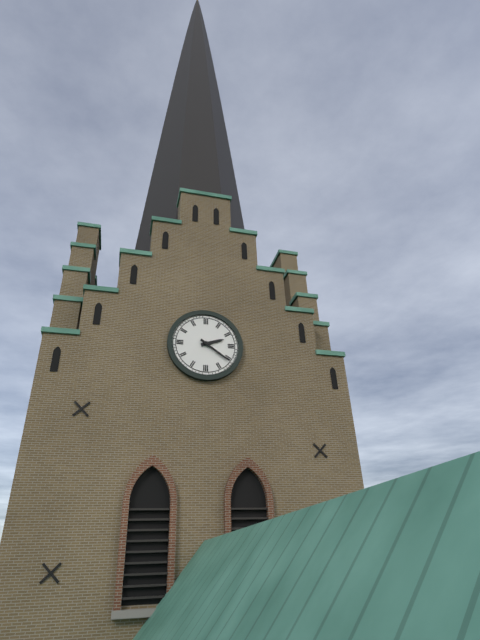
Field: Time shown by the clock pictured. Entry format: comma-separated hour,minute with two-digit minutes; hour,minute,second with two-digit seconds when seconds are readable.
2,21
